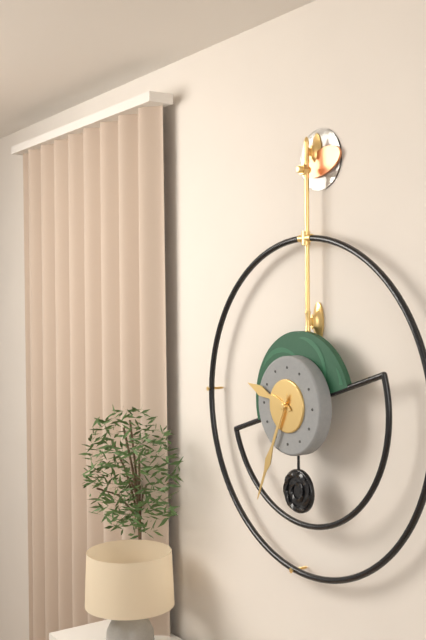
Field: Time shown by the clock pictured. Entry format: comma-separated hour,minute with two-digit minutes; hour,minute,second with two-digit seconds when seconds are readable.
9,34
